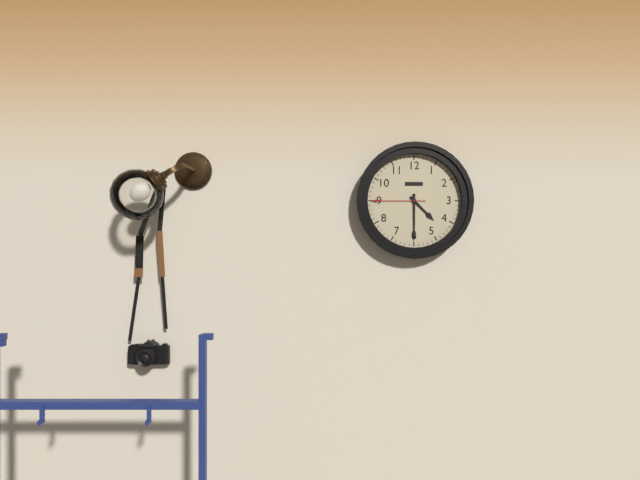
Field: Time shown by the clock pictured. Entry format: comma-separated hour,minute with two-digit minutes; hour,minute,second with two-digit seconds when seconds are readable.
4,30,45
